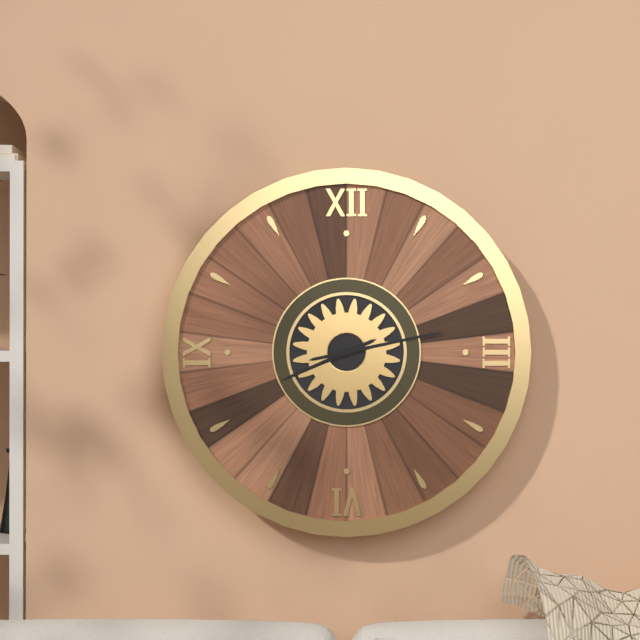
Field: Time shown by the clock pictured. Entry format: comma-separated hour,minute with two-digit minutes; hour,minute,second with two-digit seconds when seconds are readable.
8,13
